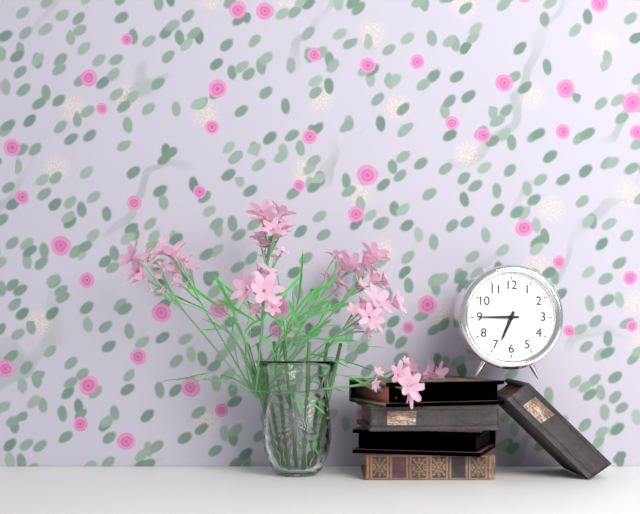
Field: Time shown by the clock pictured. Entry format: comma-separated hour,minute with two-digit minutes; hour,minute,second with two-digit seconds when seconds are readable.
6,45
